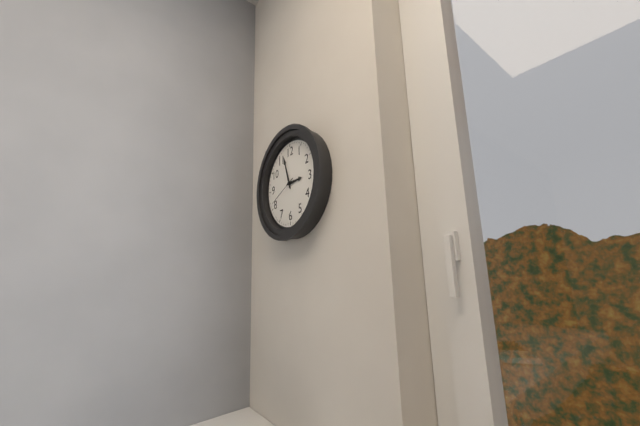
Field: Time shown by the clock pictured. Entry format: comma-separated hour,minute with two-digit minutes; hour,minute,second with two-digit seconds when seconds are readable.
2,57
